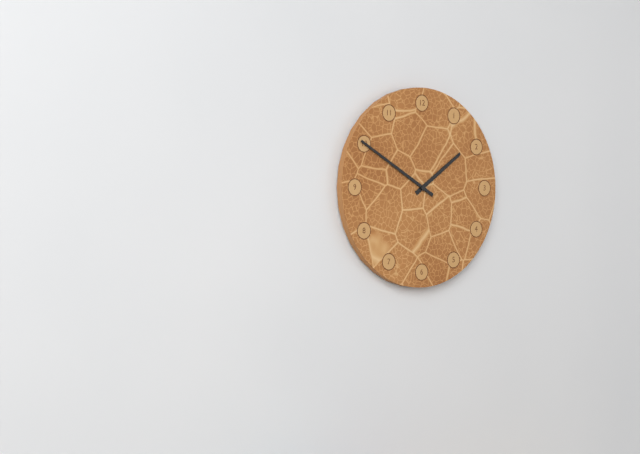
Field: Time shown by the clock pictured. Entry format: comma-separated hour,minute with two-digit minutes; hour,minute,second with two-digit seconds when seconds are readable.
1,50
